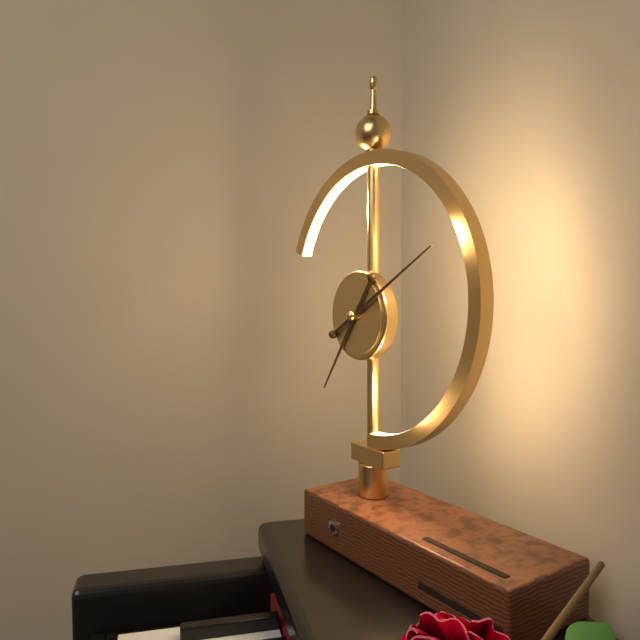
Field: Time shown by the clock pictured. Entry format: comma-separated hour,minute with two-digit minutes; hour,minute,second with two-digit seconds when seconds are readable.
7,10
